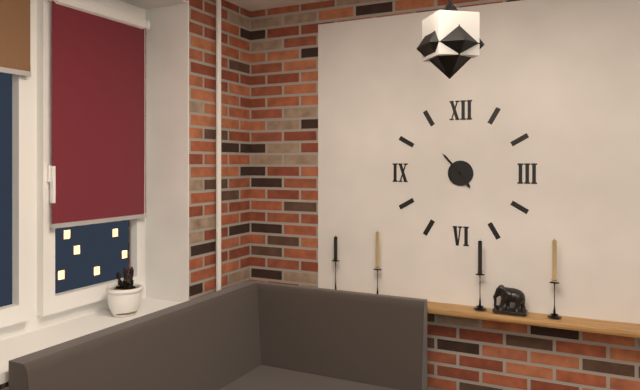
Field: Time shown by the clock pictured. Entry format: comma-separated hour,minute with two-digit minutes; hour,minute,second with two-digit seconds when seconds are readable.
4,53
